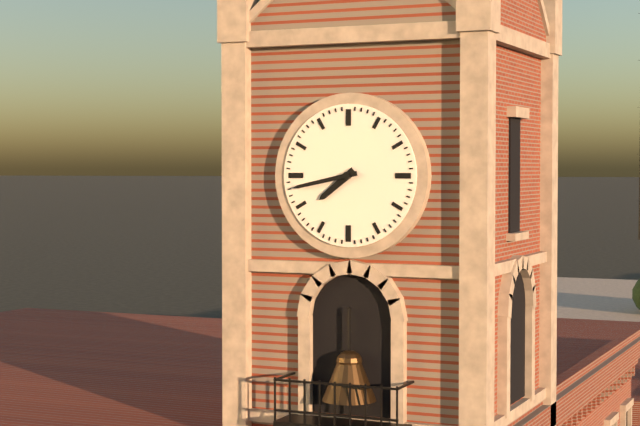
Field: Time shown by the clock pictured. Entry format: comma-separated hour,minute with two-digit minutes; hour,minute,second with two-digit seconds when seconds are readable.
7,43
